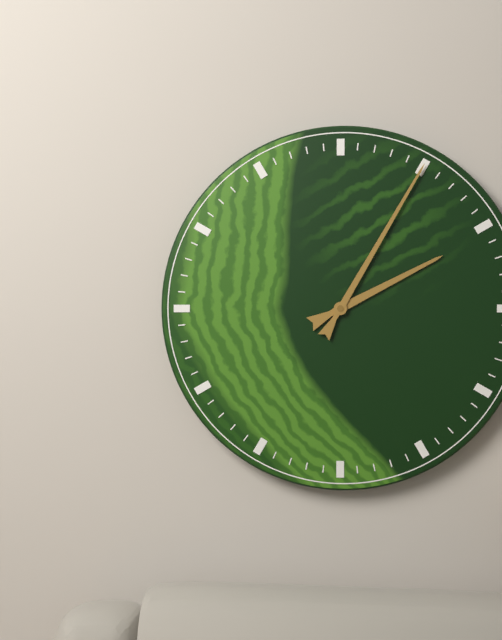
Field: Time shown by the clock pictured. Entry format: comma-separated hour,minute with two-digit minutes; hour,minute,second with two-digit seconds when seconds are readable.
2,05
